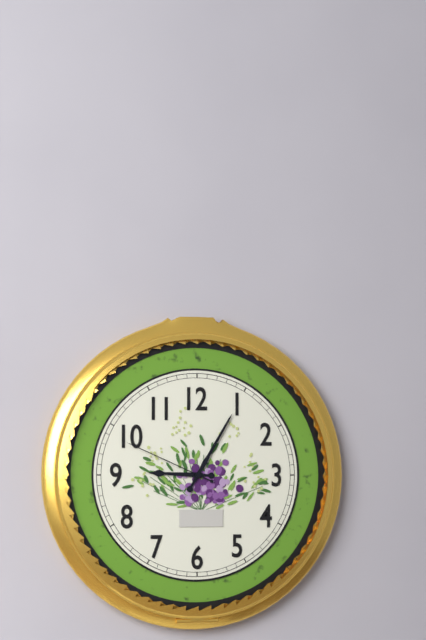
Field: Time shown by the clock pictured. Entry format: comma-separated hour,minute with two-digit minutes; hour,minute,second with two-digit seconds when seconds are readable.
9,05,49
